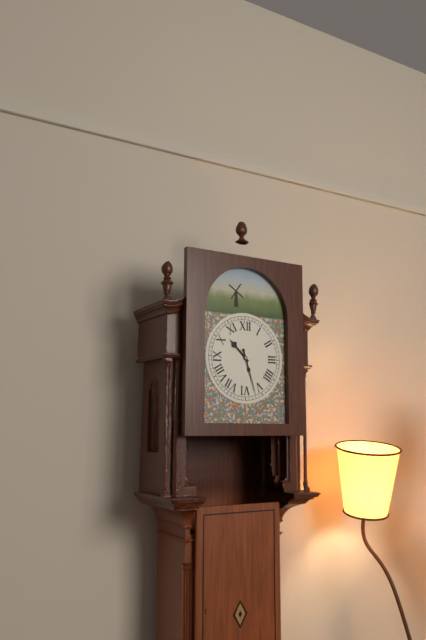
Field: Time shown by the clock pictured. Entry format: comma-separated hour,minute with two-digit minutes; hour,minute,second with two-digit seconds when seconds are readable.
10,27
